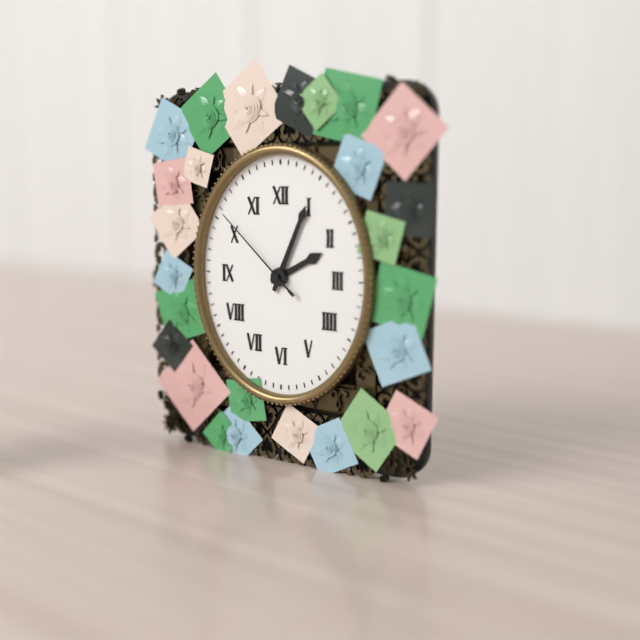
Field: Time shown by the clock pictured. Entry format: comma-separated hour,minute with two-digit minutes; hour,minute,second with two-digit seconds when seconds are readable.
2,04,52
